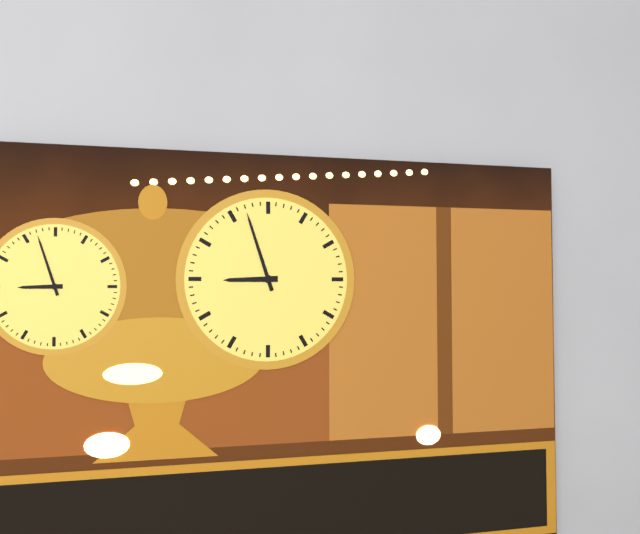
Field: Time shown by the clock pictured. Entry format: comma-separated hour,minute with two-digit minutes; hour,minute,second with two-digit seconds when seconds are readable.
8,57
